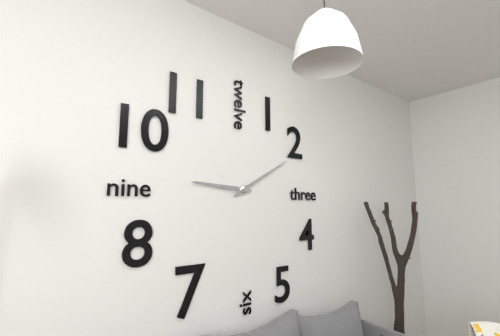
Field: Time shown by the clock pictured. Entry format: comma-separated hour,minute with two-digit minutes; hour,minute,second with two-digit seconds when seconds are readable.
9,10
